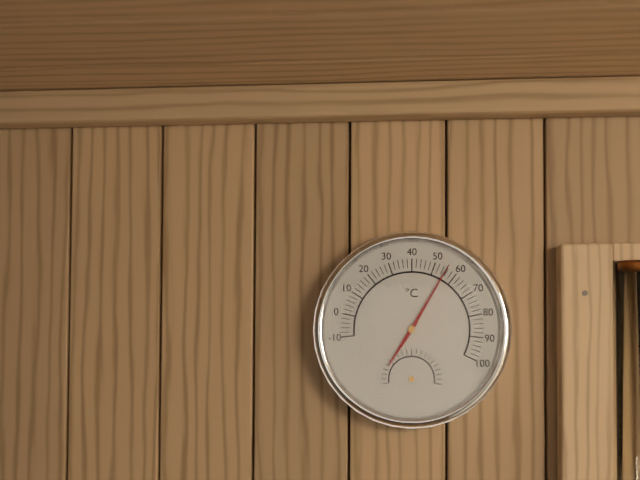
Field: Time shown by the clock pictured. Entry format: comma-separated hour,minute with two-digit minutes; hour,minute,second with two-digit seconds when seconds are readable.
7,05
